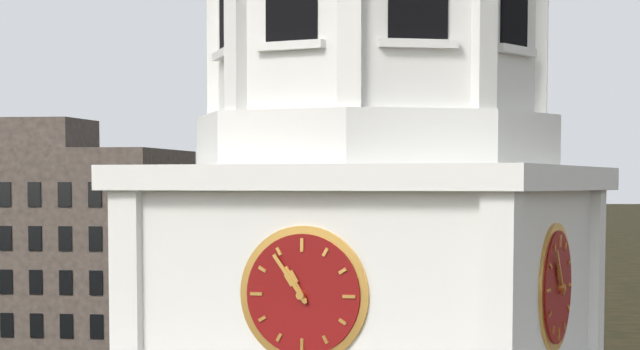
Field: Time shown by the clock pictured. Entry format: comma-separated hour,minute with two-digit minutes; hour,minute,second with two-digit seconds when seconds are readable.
10,54
